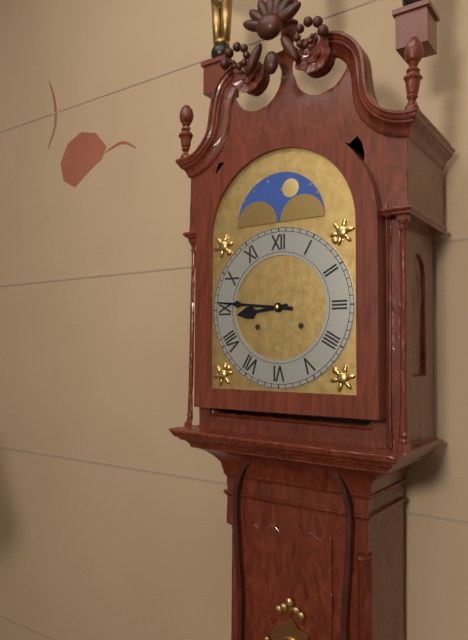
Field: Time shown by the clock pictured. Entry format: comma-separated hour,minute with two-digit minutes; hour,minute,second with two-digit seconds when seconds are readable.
8,46
